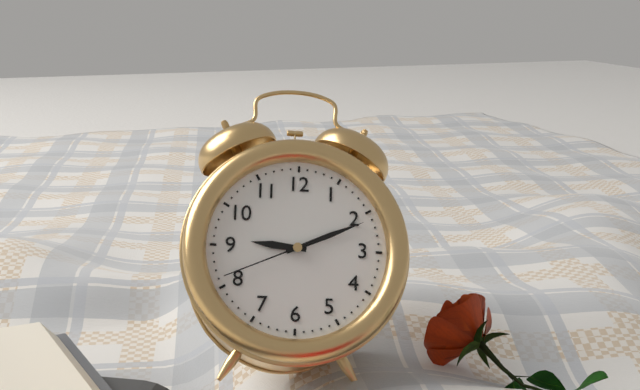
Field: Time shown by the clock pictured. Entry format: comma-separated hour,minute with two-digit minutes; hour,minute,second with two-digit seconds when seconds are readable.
9,11,41
